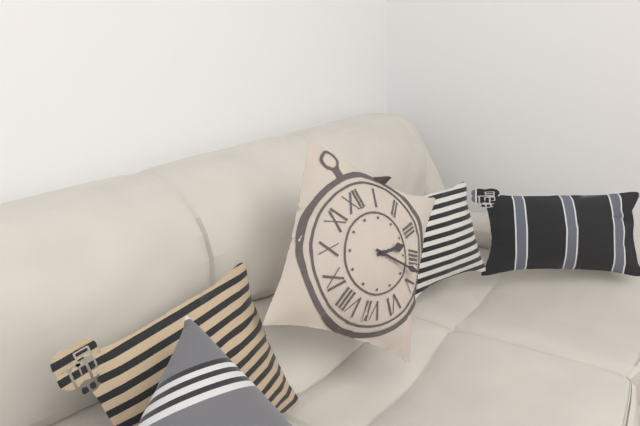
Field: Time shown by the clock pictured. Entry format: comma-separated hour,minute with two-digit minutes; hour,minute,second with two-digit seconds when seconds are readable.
3,23
